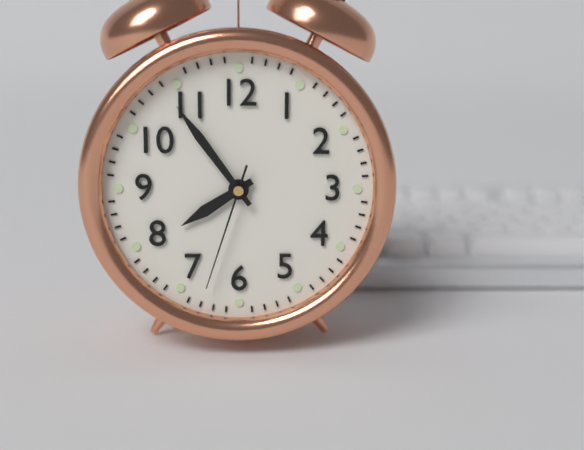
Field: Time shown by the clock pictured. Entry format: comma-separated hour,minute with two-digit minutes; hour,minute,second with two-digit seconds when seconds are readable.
7,54,33
